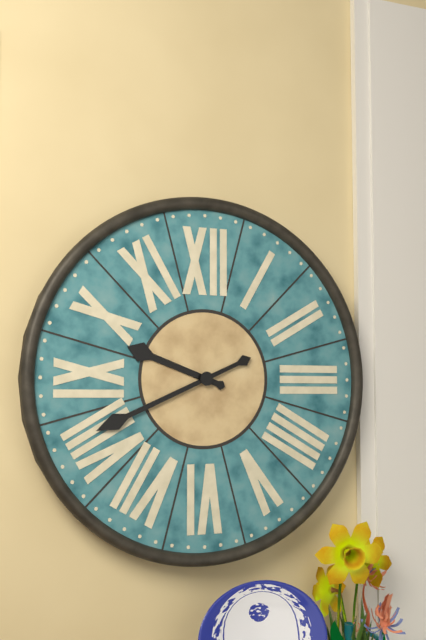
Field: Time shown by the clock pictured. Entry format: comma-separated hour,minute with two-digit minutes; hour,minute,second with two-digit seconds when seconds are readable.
9,41
